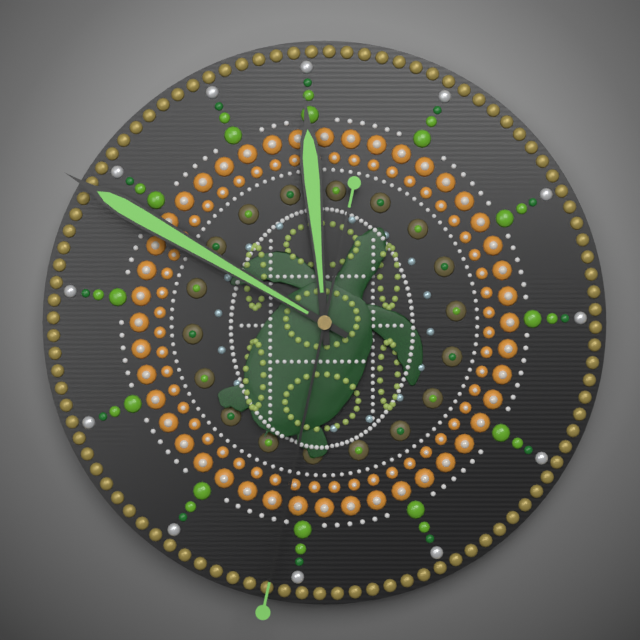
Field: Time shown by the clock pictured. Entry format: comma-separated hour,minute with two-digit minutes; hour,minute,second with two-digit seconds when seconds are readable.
11,50,32
